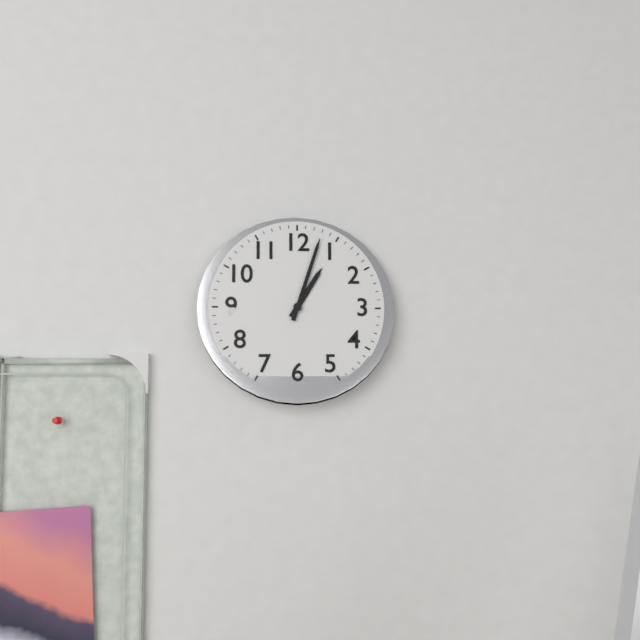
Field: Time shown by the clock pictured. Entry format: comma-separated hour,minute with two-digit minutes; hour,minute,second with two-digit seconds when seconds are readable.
1,03
